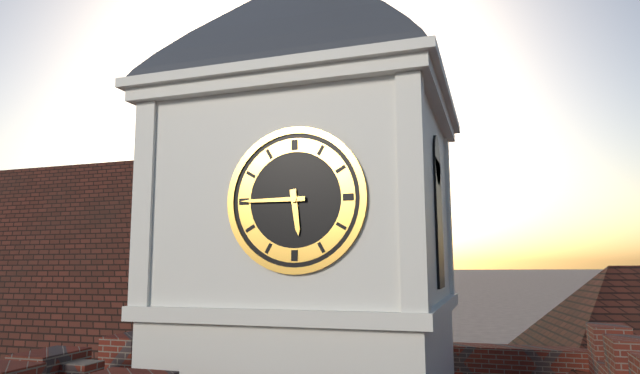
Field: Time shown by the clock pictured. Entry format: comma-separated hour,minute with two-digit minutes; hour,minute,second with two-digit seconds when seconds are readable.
5,45
